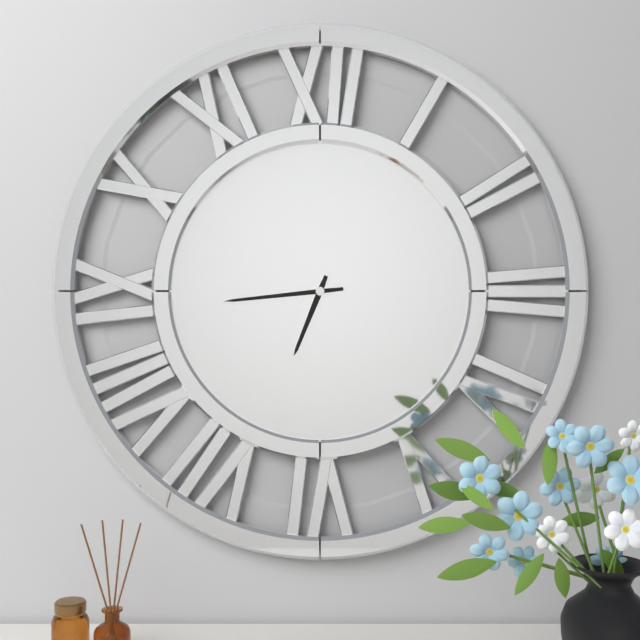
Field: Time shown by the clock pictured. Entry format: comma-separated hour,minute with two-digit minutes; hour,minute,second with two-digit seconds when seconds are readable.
6,44
